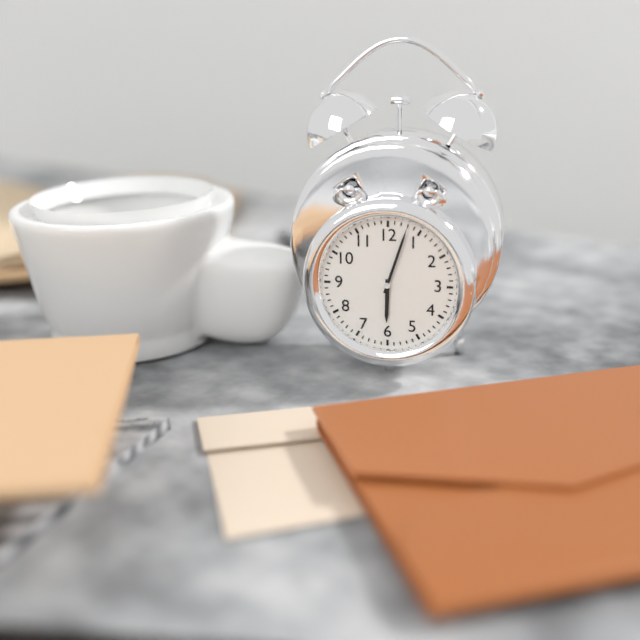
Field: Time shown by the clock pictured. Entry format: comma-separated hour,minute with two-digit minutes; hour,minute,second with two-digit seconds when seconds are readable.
6,03
